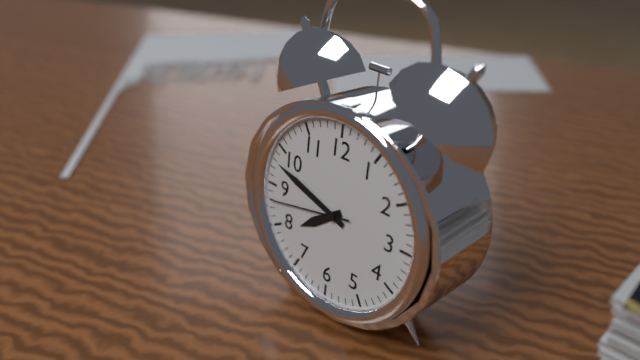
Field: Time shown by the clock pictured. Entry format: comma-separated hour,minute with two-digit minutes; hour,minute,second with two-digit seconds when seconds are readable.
7,48,43
